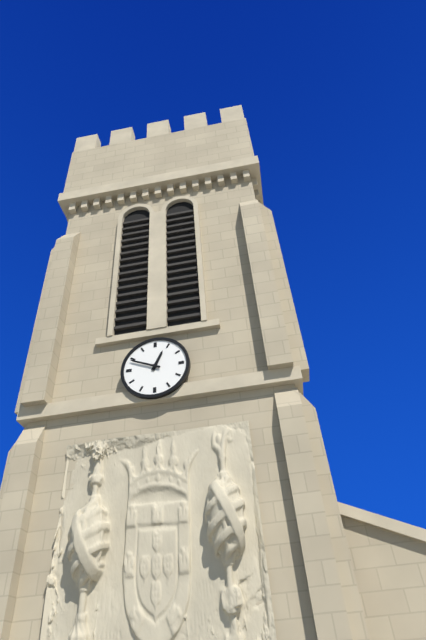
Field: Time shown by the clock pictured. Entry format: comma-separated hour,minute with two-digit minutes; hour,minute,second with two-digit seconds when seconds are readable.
12,49
